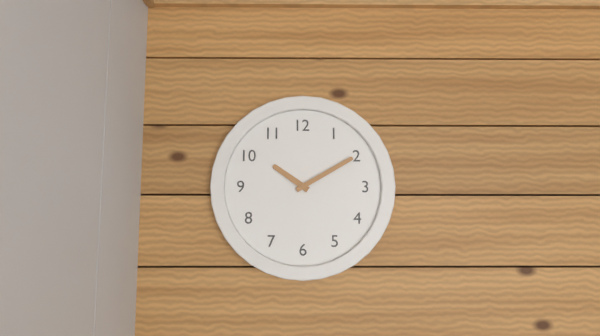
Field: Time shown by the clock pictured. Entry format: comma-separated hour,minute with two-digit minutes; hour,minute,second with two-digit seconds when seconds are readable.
10,10
